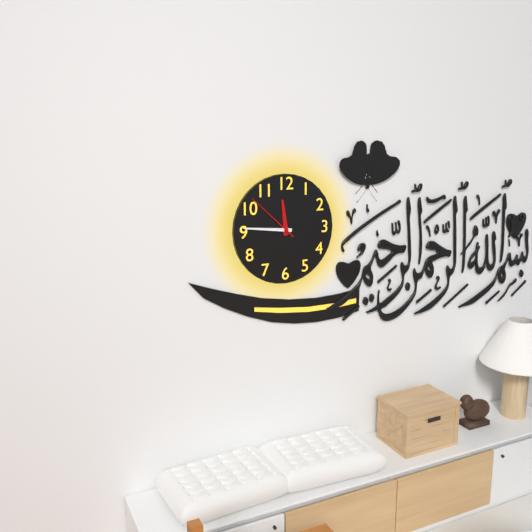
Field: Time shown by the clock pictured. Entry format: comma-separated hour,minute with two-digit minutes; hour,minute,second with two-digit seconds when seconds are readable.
11,46,52
